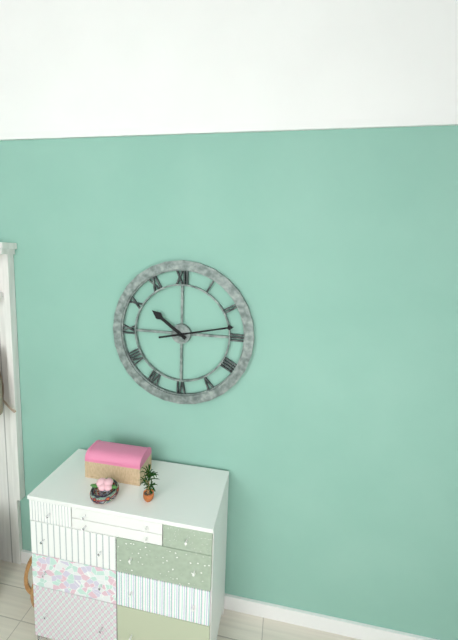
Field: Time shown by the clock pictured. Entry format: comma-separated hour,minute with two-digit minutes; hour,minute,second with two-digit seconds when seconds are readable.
10,13
